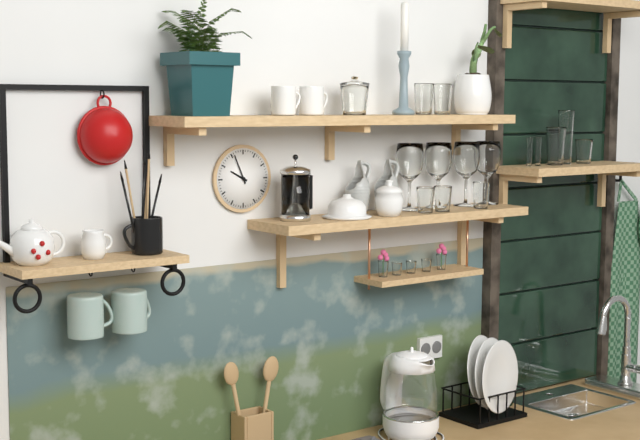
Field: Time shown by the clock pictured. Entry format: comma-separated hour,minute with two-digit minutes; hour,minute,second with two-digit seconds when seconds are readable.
9,56
